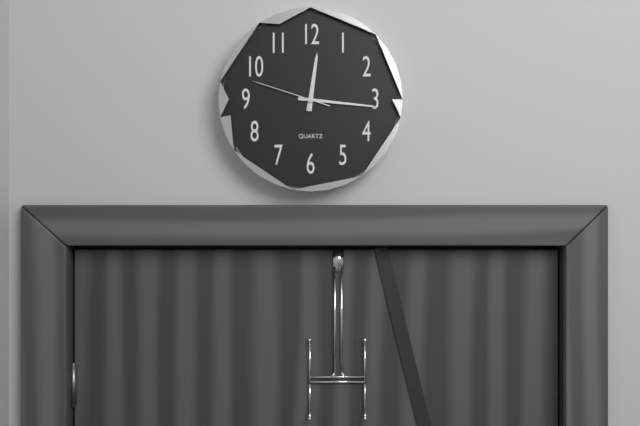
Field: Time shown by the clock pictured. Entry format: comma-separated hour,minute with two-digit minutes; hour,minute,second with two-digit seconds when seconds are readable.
12,16,48
